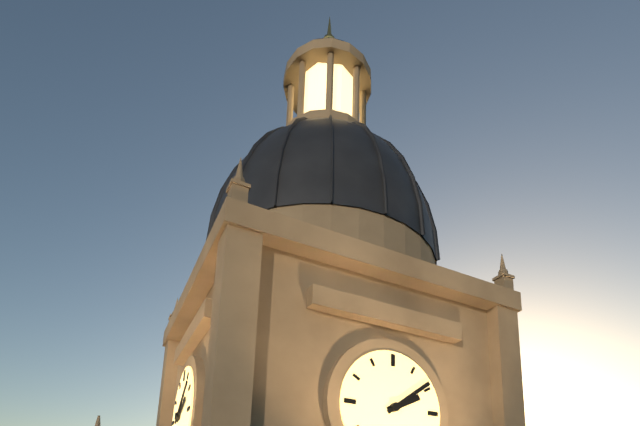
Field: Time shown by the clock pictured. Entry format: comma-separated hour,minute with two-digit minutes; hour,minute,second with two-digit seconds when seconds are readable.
2,09
